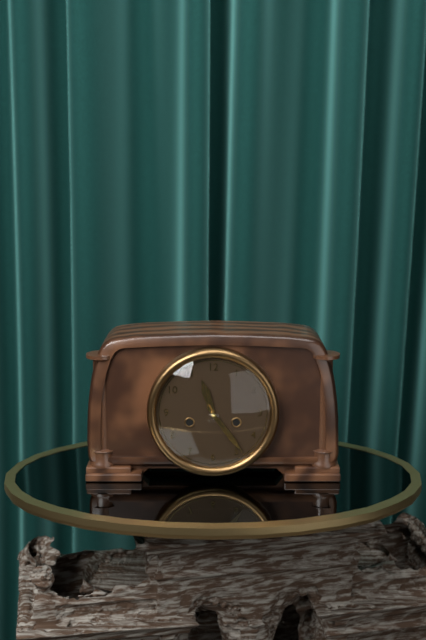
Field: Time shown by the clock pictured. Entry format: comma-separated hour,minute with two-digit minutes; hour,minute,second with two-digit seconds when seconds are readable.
11,24
